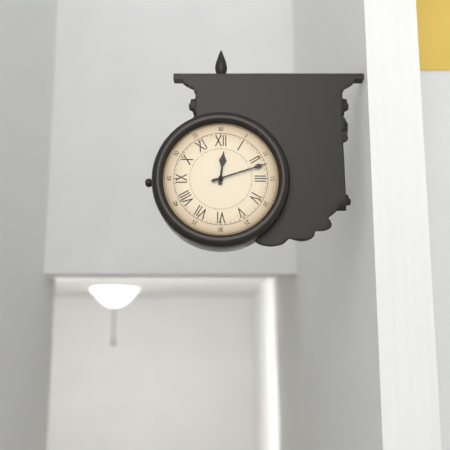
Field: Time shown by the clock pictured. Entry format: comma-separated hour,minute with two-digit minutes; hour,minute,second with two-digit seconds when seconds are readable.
12,12
